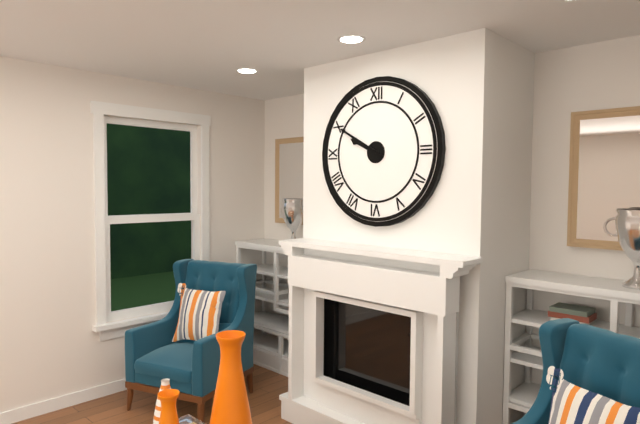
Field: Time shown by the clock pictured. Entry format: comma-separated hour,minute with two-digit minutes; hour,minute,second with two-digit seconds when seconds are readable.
9,50
